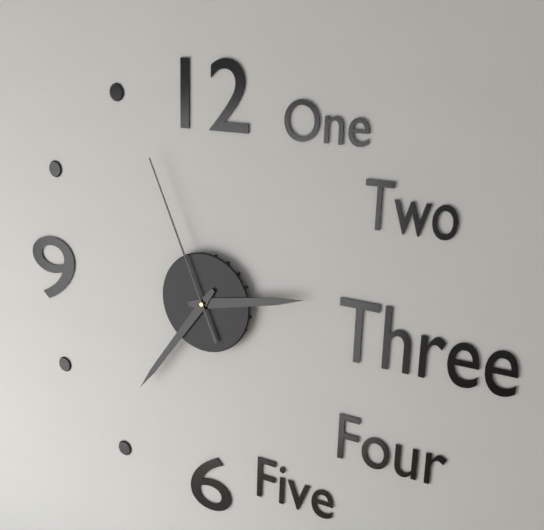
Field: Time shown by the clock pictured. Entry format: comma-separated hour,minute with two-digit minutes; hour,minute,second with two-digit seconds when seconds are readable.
2,36,56
